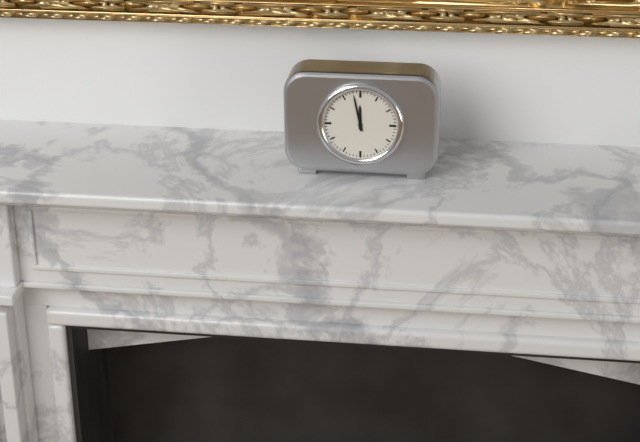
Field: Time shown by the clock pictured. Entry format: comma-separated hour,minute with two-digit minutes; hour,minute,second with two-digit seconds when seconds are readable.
11,58
